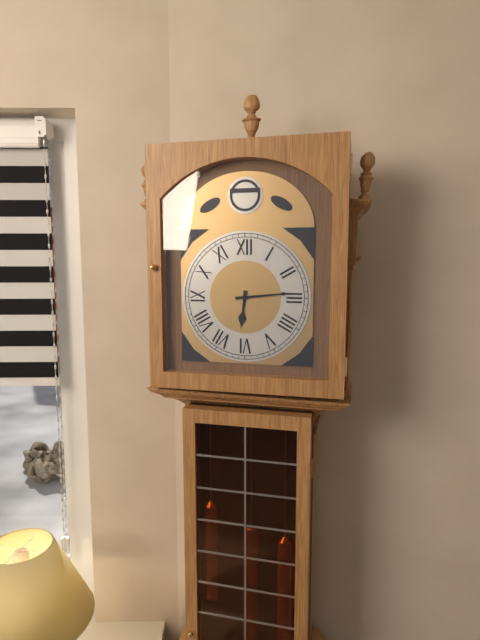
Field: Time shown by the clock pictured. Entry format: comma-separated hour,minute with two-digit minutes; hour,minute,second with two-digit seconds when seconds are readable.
6,14
